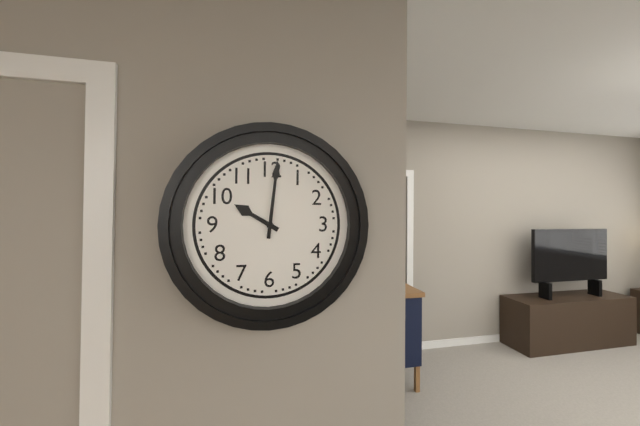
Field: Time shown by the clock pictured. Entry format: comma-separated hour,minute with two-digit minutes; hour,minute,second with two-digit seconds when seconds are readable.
10,01
